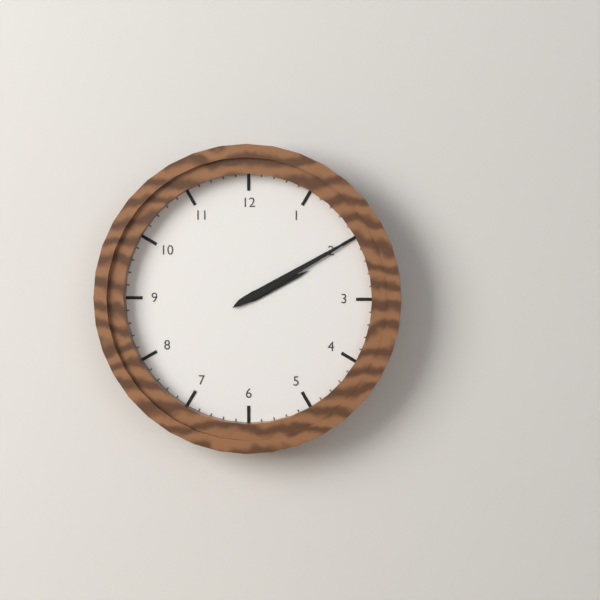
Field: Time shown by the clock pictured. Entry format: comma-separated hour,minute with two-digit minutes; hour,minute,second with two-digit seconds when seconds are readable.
2,10
